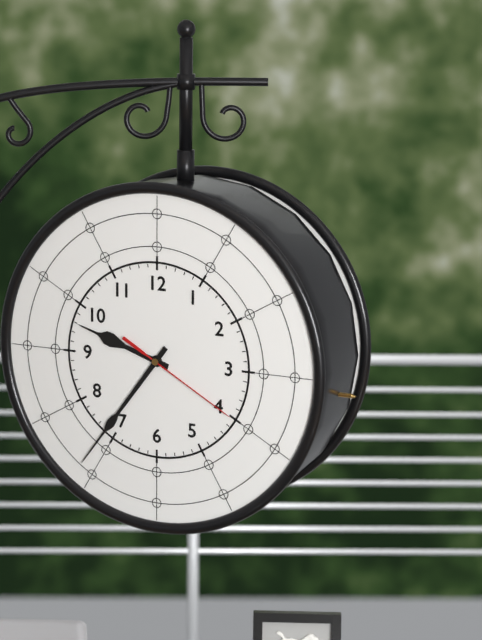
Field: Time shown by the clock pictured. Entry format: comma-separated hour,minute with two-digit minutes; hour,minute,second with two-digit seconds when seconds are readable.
9,36,20
